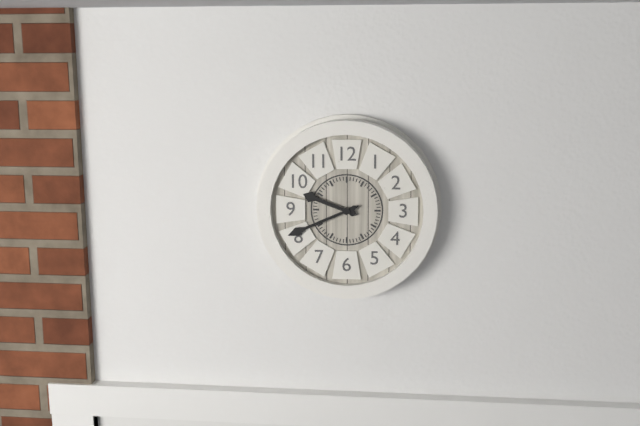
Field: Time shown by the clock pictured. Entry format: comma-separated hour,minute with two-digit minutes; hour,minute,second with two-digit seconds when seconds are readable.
9,41
